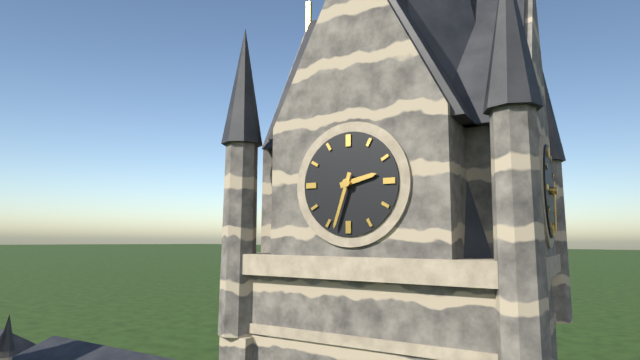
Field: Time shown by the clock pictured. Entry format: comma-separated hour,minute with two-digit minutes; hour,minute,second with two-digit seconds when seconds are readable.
2,33
